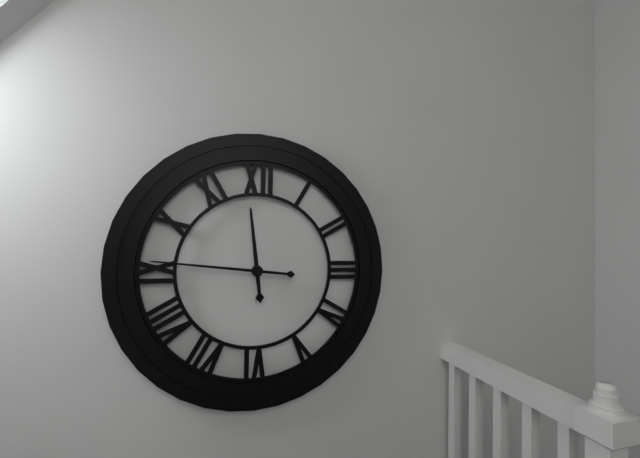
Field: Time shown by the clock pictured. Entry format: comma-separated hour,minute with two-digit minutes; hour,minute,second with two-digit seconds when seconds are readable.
11,46
